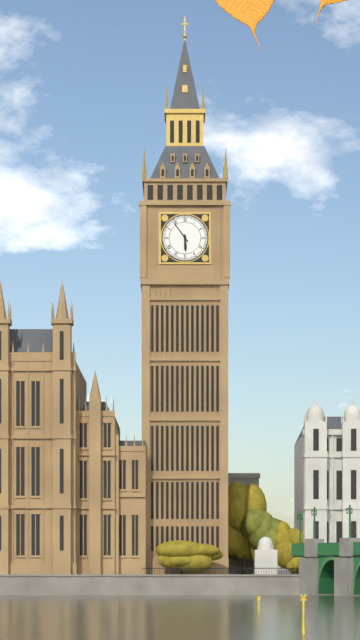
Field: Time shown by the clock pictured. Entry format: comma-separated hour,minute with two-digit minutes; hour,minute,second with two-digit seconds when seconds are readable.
5,54
